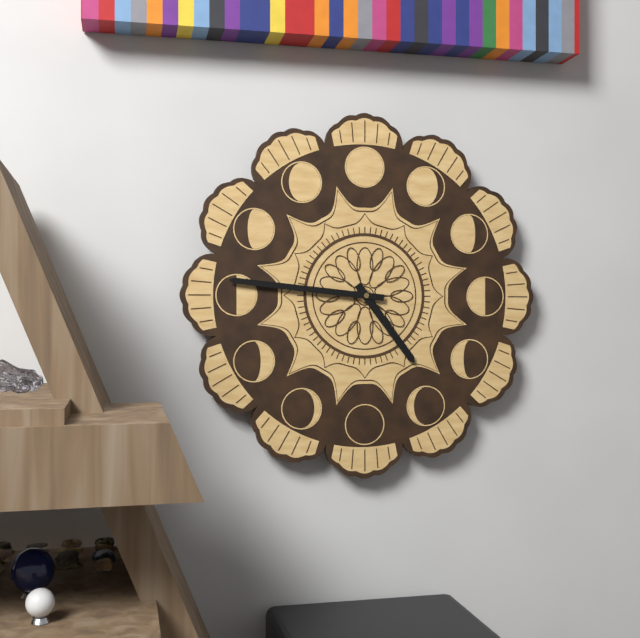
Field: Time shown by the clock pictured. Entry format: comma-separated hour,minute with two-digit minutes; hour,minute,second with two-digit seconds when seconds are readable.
4,46
